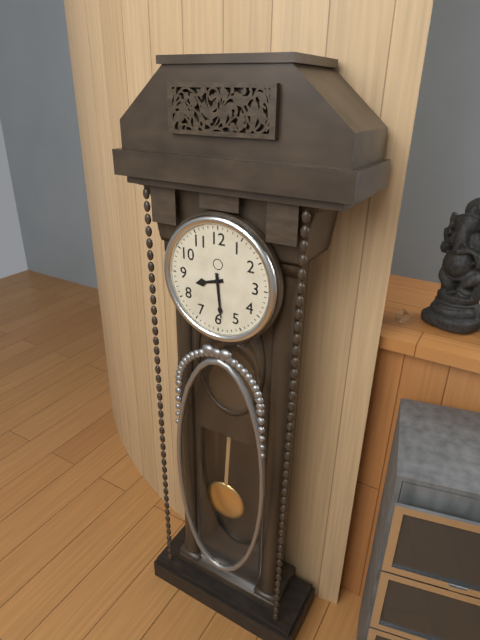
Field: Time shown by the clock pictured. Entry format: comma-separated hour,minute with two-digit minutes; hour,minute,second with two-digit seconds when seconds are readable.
8,29
